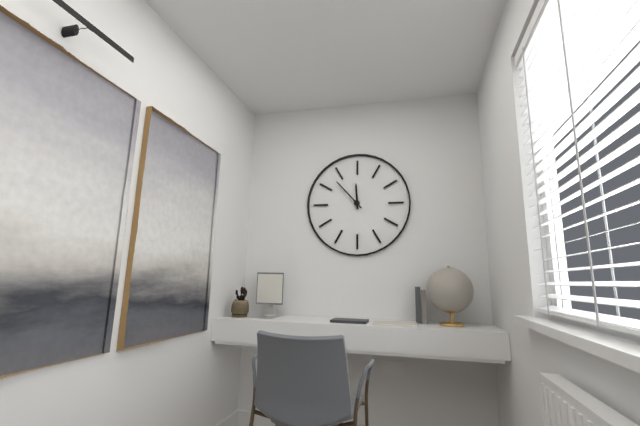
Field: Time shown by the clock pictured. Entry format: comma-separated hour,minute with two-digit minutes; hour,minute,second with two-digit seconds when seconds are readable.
11,53
